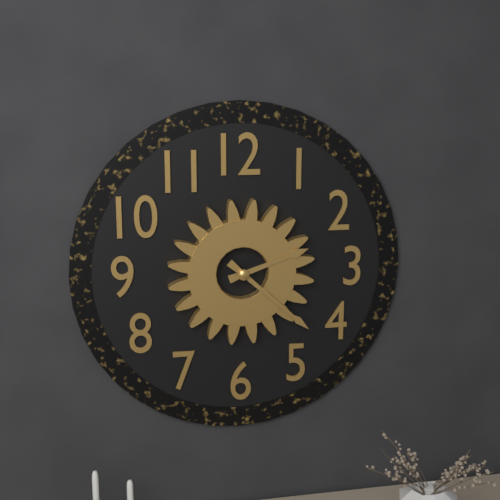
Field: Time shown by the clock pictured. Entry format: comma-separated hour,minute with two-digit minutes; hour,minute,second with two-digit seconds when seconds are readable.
2,22
